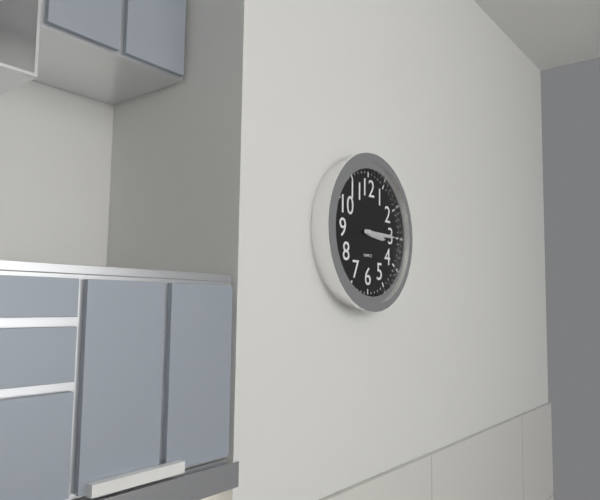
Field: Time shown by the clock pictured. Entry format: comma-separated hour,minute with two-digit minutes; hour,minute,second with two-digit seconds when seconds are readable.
3,15
